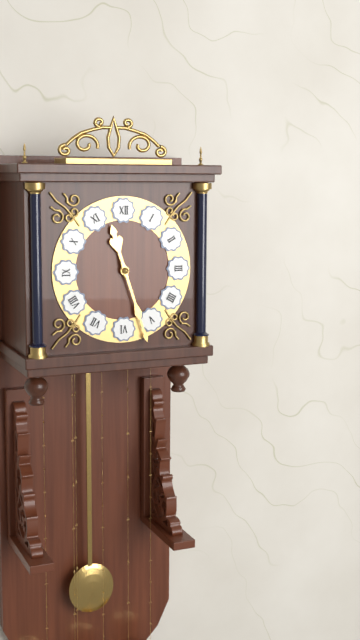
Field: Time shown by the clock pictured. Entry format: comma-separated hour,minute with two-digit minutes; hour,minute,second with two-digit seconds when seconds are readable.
11,27
